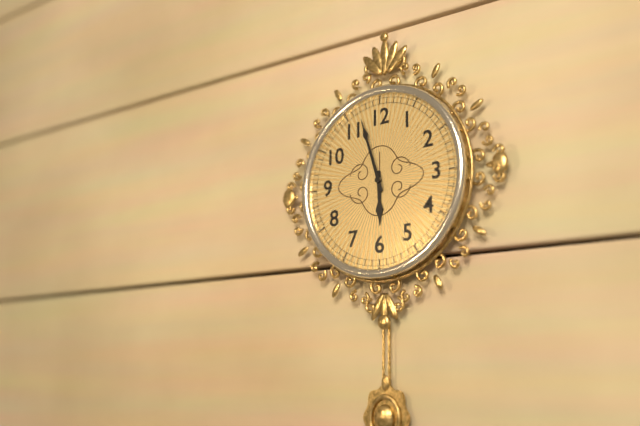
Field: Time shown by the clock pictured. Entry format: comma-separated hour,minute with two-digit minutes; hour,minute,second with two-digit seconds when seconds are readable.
5,57
